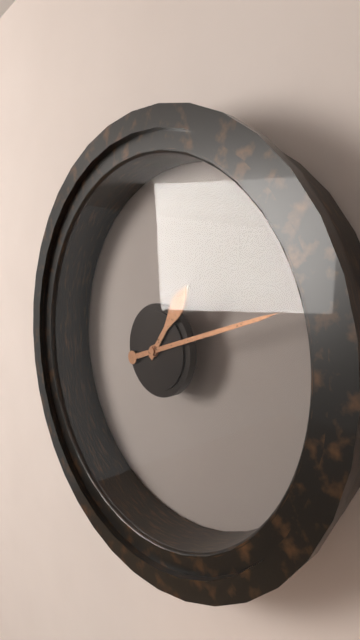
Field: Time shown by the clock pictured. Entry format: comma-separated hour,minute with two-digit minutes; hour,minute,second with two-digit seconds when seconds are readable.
1,12
